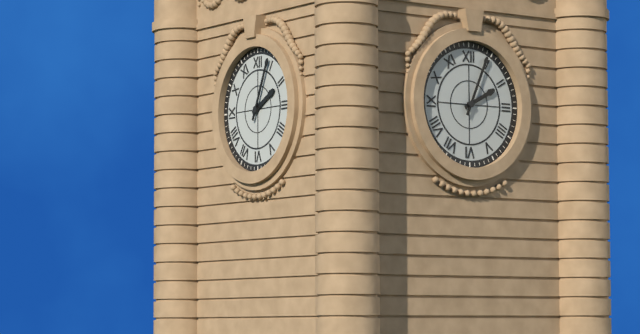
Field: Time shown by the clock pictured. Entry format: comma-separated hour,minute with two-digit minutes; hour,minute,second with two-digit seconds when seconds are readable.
2,04
